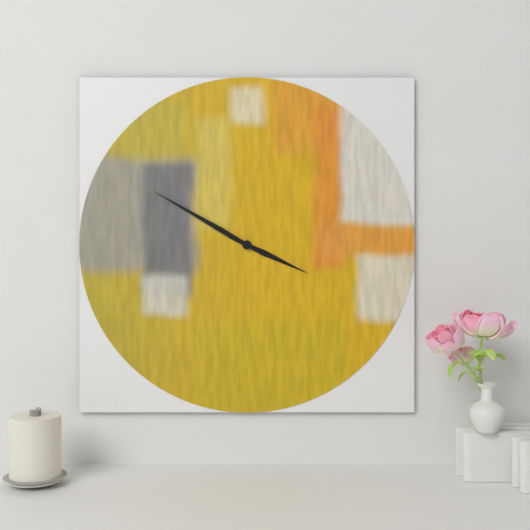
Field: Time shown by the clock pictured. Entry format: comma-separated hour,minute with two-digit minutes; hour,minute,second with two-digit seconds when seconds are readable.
3,50
